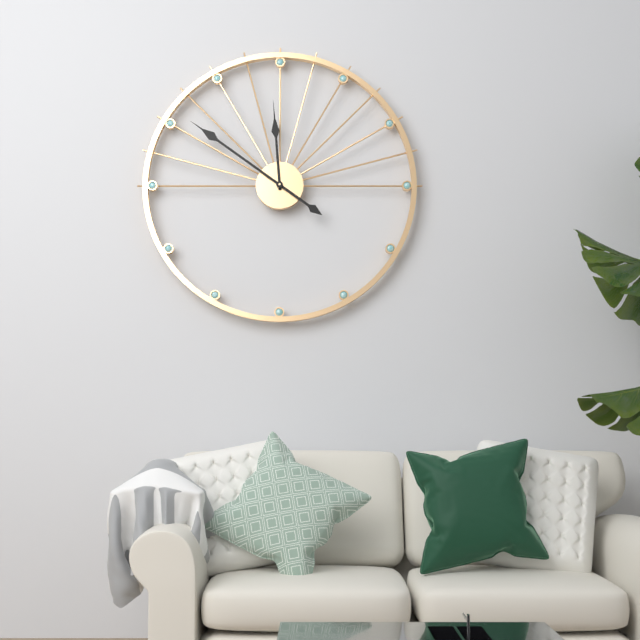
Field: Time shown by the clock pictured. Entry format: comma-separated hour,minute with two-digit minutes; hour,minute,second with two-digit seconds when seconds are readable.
11,51
